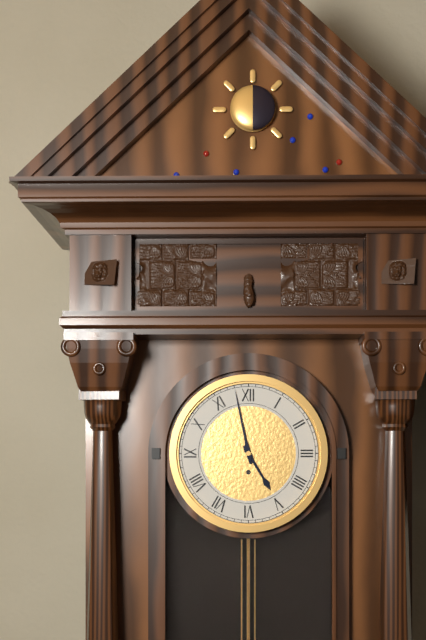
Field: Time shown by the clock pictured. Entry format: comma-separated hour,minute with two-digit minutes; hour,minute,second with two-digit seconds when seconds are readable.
4,58
